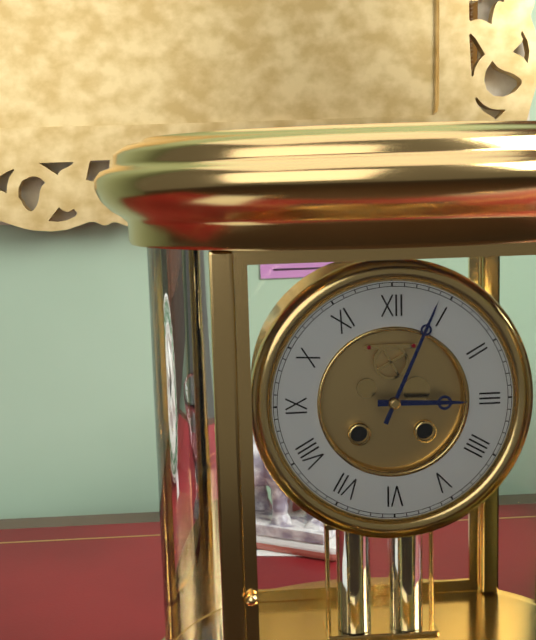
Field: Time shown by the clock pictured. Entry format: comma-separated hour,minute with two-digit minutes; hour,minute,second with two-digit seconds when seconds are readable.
3,04
